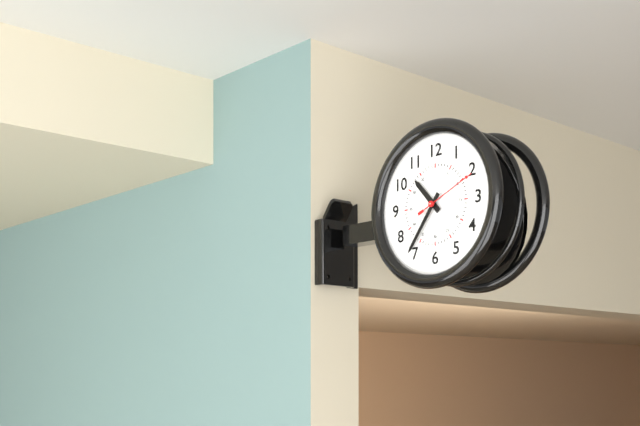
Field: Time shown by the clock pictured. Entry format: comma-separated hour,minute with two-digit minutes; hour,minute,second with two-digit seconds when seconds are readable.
10,36,11
